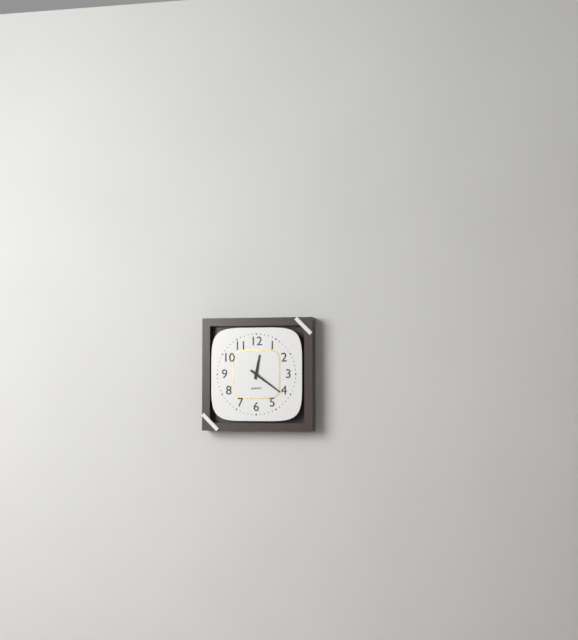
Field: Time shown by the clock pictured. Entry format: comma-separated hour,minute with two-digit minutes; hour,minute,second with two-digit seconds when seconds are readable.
12,21
